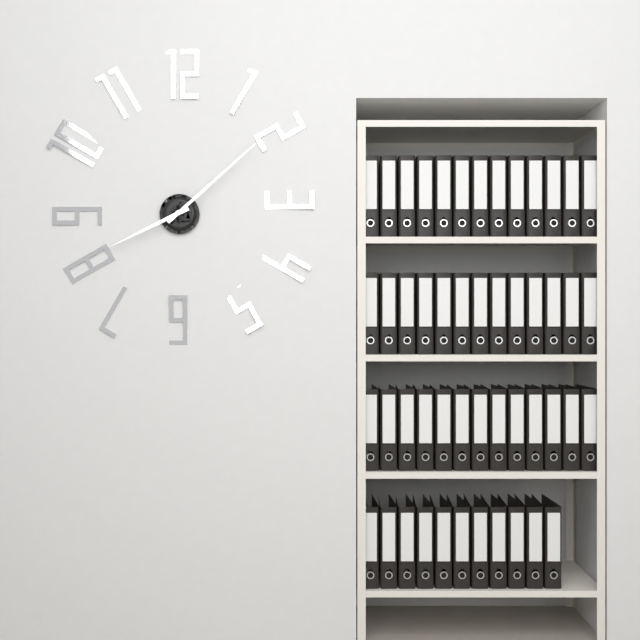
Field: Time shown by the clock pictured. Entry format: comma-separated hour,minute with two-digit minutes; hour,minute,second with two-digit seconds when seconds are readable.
8,08
